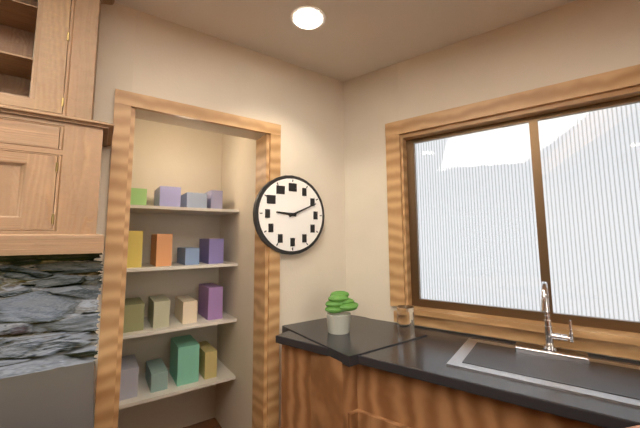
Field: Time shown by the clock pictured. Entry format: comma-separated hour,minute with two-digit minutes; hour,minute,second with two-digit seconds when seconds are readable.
9,11
